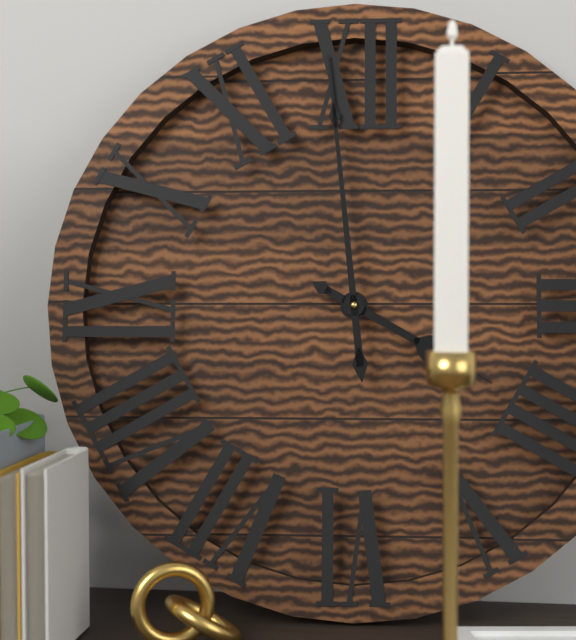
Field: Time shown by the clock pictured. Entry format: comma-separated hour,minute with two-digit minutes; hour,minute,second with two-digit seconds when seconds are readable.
3,59
